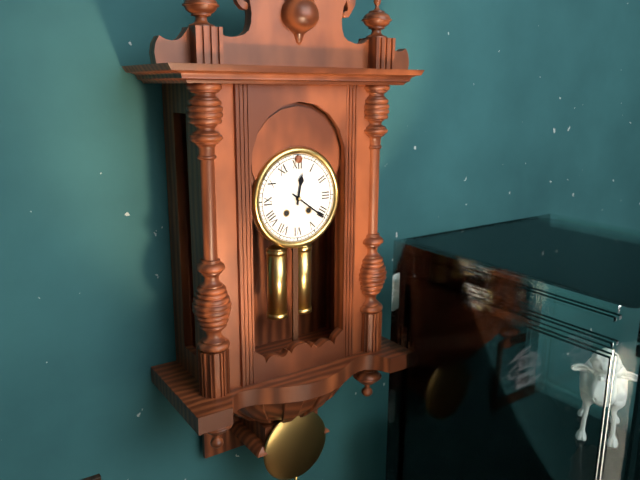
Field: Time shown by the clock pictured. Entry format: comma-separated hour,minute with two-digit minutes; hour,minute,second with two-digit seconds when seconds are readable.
12,21
